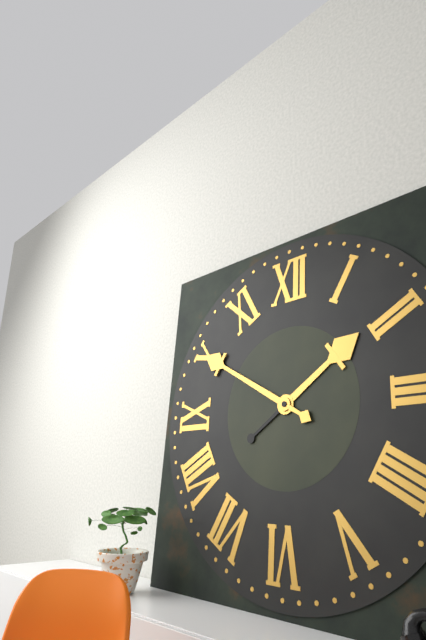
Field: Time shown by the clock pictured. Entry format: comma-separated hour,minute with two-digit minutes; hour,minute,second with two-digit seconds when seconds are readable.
1,50
